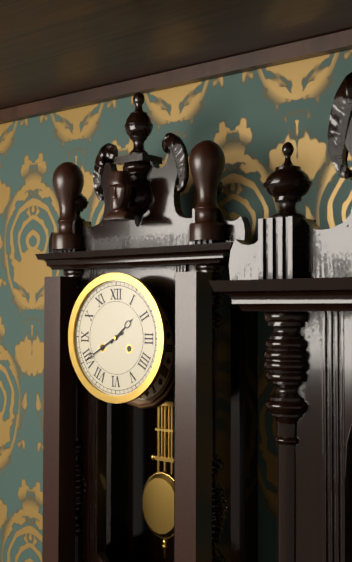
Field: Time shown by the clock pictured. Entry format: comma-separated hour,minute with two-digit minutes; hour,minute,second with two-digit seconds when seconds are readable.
1,40
